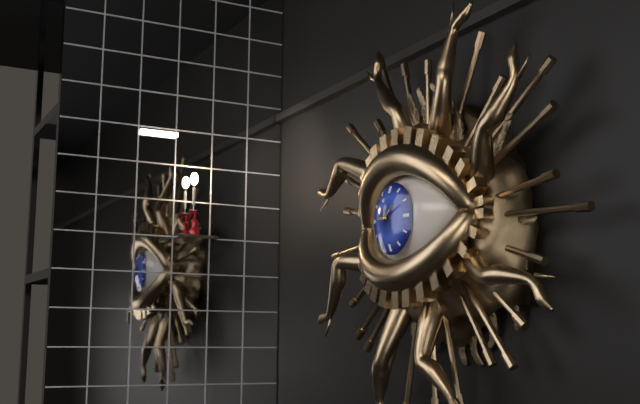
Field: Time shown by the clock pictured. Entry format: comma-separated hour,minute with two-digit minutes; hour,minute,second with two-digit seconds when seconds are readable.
9,09
